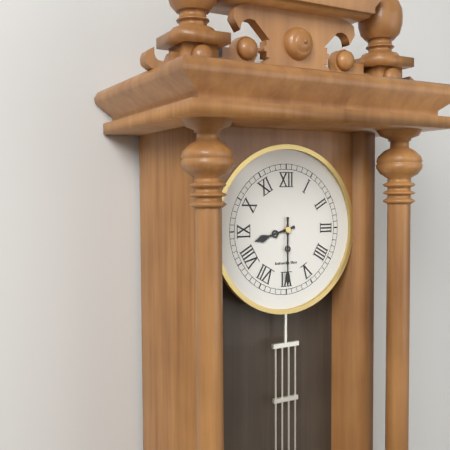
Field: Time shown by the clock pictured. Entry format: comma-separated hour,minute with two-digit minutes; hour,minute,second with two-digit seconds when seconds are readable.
8,30
